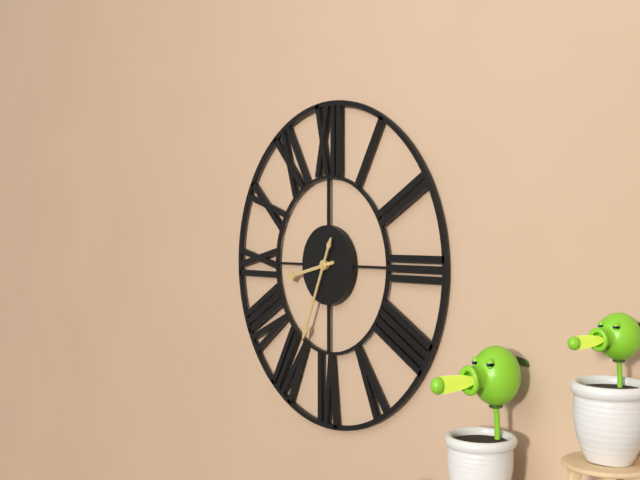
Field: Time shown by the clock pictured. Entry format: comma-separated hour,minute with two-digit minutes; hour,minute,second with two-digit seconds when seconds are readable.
8,34
